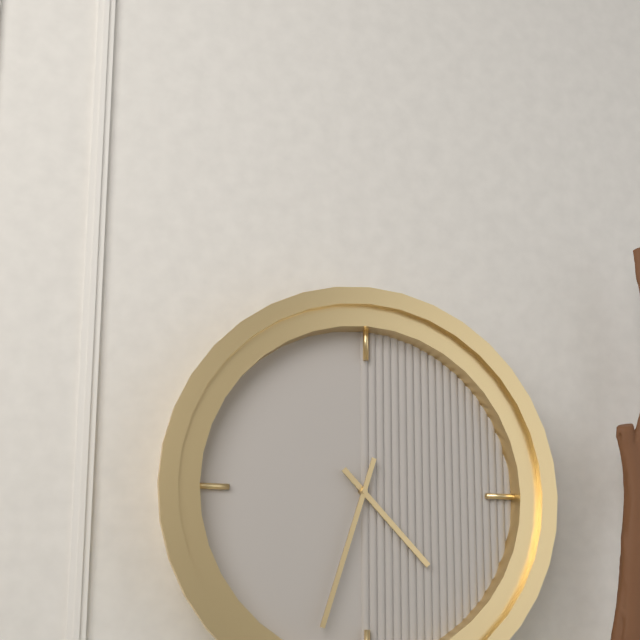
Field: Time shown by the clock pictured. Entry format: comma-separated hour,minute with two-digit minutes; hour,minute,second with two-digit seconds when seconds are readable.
4,33
